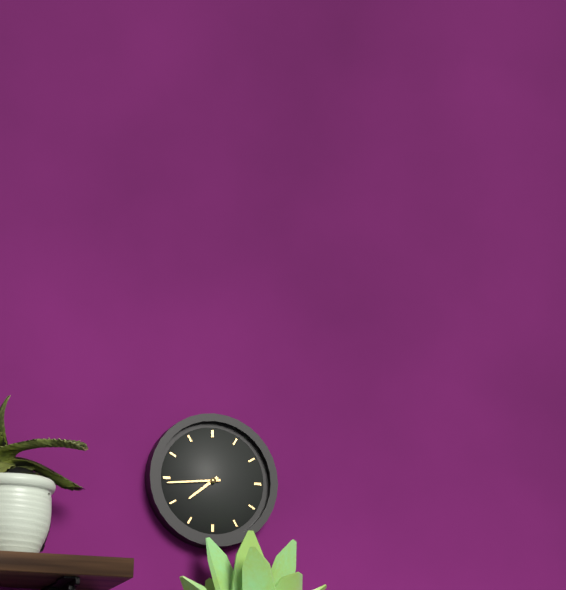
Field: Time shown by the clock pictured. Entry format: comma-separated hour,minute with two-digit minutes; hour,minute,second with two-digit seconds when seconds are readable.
7,44
